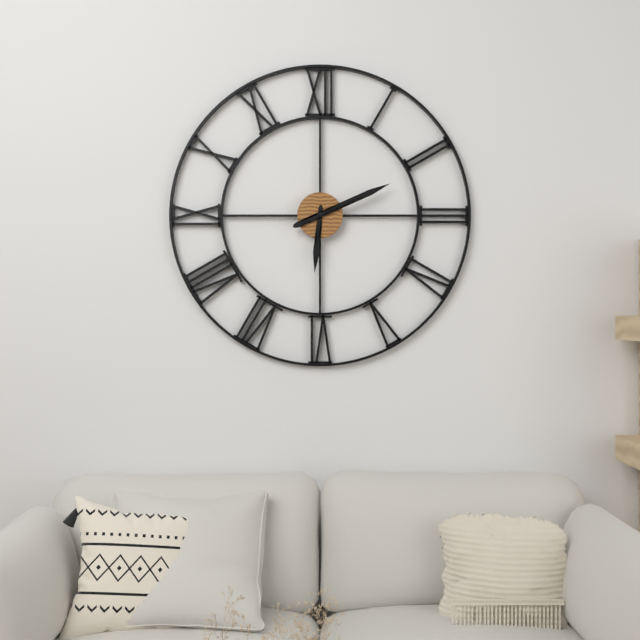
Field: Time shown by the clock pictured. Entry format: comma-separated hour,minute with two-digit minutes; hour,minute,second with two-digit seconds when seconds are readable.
6,11
